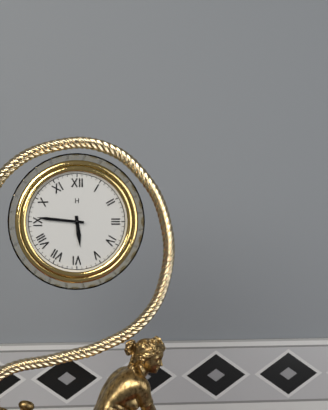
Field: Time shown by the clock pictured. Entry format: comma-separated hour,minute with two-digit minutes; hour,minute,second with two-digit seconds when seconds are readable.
5,46
